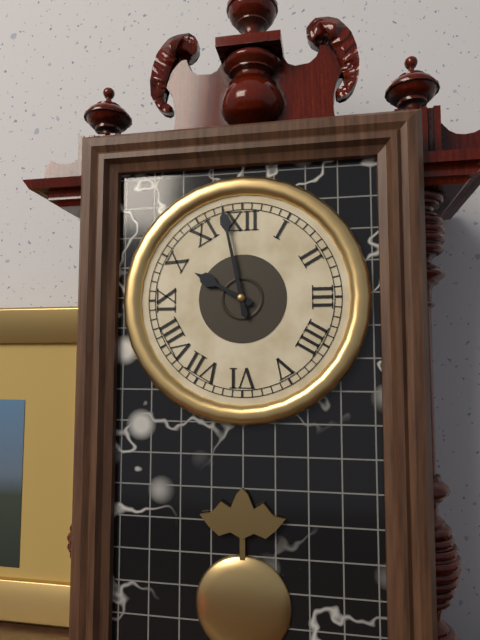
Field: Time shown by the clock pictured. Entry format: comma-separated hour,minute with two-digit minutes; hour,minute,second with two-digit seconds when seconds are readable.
9,58
